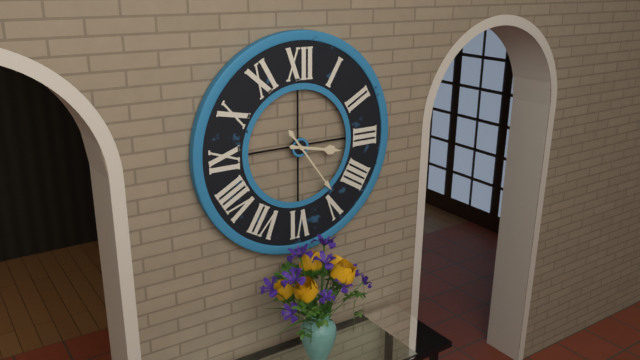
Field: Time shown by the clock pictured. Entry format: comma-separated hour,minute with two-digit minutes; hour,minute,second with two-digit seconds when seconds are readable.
3,24
